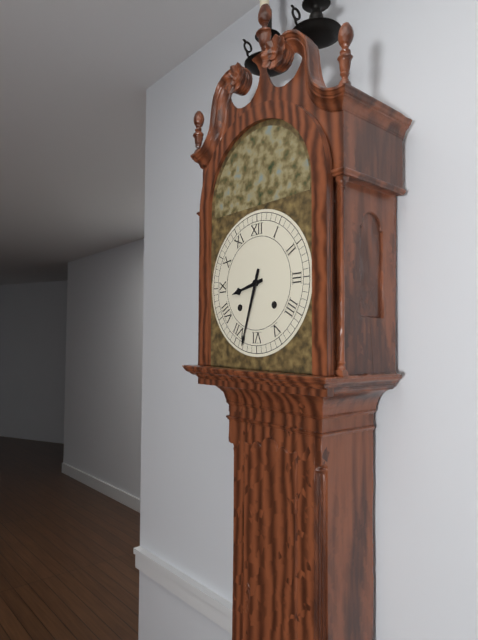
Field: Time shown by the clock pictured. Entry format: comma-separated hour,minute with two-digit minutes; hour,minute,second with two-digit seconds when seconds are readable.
8,33
